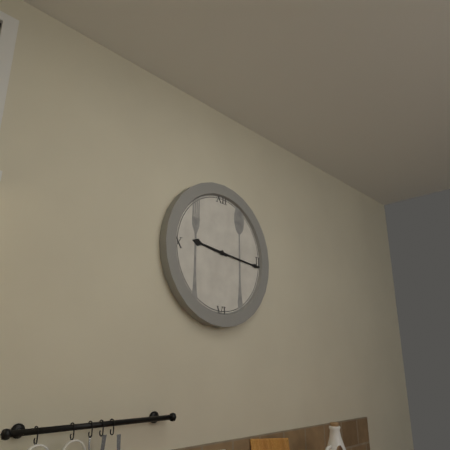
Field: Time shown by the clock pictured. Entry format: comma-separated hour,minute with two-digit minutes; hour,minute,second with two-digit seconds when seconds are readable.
9,16
